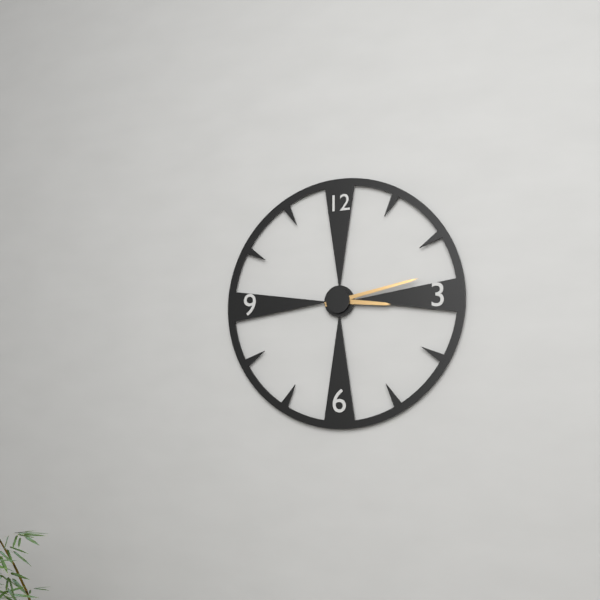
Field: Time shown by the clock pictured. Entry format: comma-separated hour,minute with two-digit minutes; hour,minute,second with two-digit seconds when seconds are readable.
3,13
